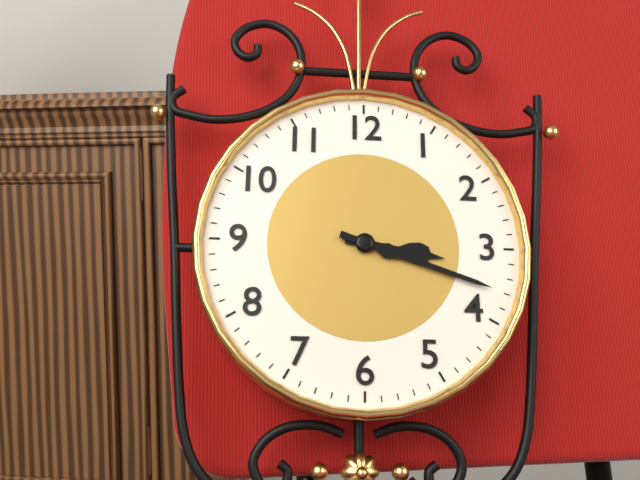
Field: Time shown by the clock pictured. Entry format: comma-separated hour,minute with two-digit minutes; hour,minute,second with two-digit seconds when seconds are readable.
3,18
